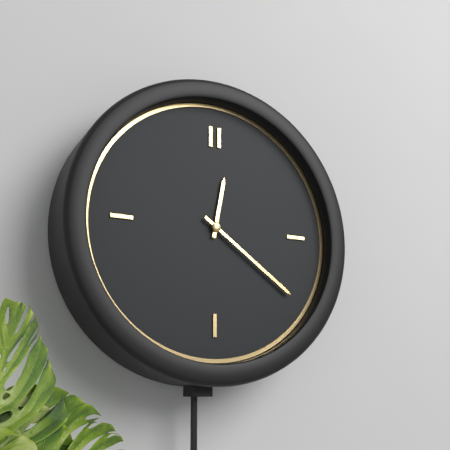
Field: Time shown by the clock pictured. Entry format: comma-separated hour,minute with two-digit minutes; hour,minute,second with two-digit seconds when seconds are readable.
12,21
